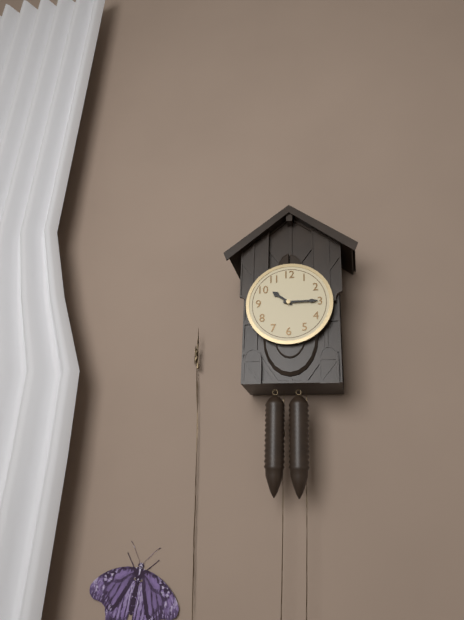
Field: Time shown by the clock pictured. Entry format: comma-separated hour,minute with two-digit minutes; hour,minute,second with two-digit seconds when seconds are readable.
10,15
